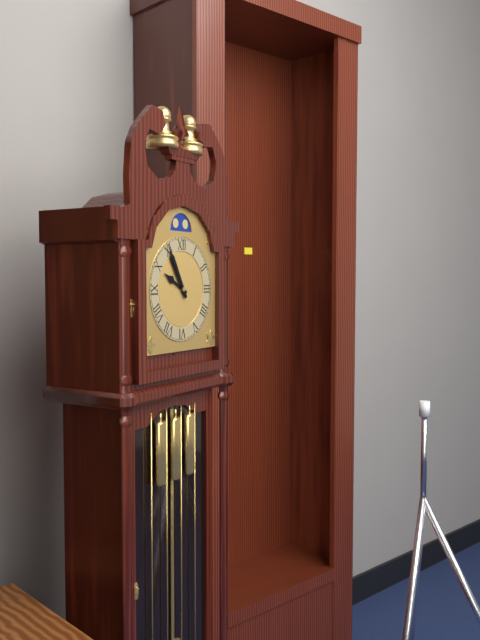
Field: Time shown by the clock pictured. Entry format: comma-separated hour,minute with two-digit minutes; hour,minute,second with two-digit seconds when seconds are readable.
9,55
